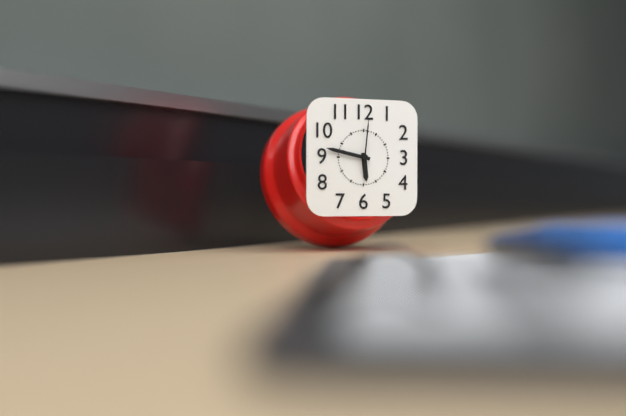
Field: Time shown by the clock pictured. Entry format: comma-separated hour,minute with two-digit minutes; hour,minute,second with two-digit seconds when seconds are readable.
5,47
